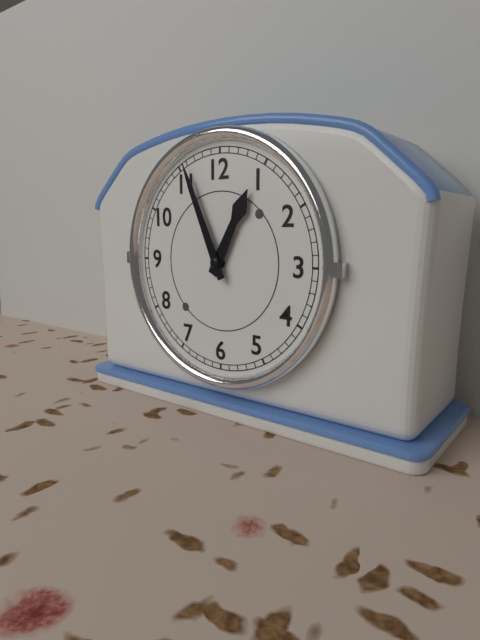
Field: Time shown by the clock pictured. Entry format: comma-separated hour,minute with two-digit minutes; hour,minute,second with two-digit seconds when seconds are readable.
12,56
